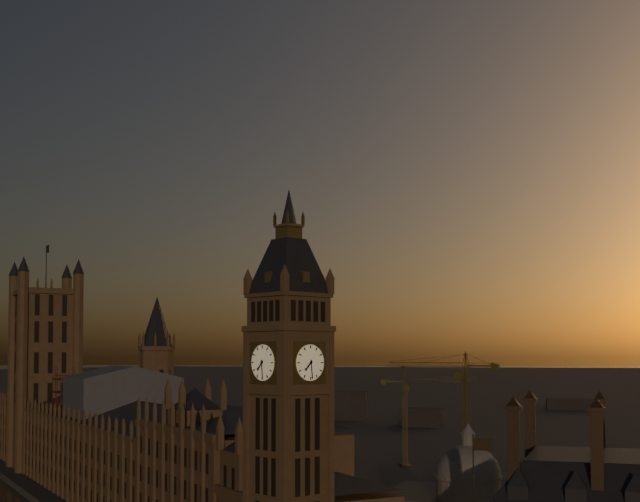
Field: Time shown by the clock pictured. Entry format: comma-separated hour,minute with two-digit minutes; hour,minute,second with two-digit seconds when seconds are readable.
7,29
